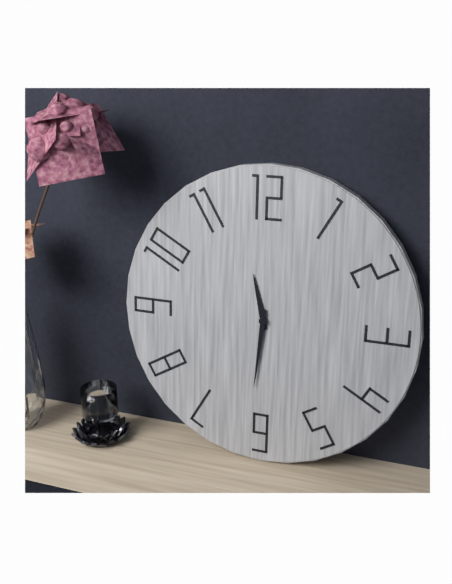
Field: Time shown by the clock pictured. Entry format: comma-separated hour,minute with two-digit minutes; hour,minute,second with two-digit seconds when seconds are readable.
11,31
